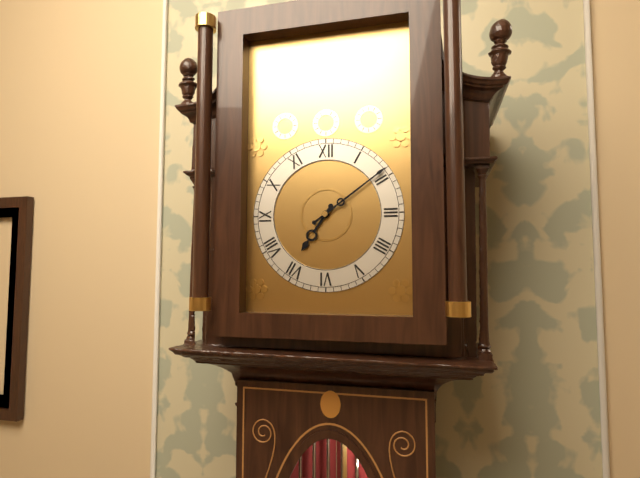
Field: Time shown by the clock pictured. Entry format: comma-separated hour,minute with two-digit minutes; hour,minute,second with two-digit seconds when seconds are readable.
7,09
